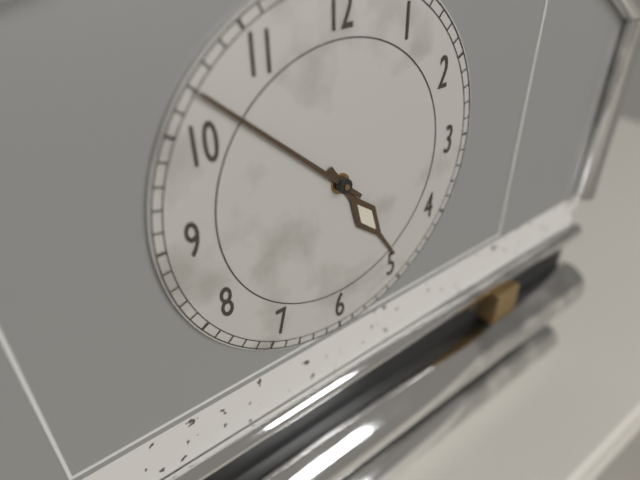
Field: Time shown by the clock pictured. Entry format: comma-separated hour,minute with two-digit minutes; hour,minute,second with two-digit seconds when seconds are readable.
4,52
